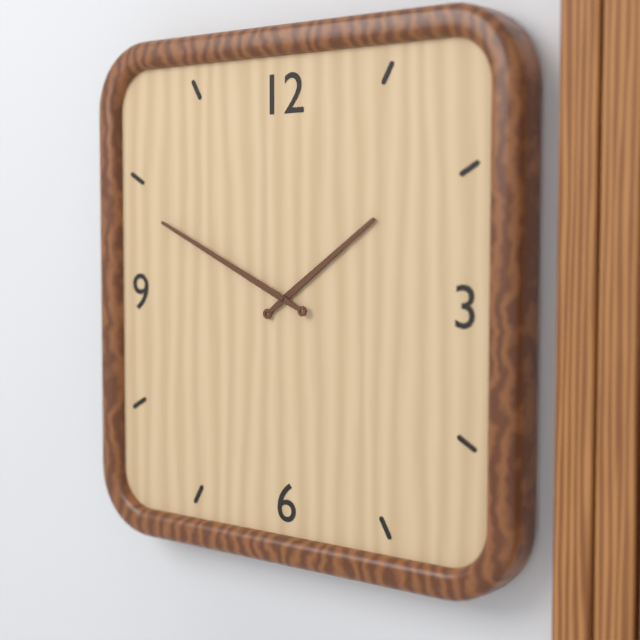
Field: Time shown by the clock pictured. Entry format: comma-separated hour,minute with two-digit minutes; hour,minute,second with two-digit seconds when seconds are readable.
1,49
